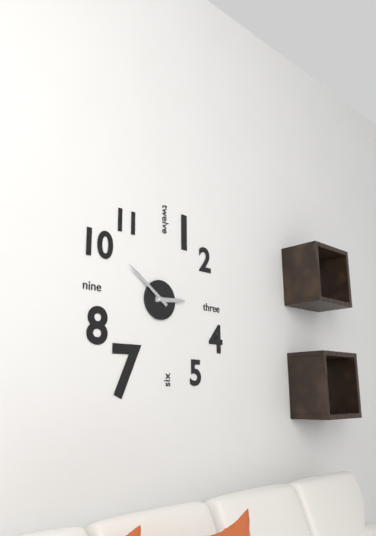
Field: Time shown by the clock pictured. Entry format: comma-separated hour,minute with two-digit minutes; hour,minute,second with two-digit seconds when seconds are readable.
2,51
